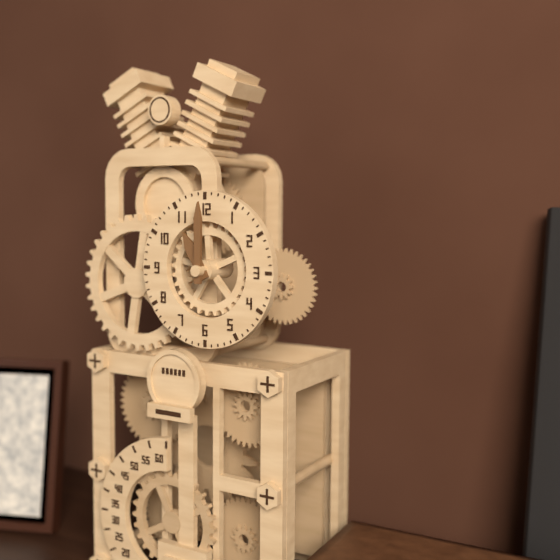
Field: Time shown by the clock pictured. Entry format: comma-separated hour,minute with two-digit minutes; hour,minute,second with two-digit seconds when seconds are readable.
11,00
